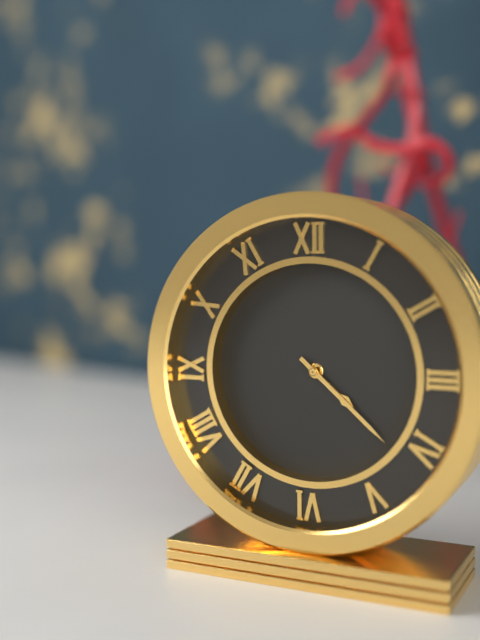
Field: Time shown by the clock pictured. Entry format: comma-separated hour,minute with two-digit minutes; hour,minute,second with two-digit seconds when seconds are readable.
4,22
